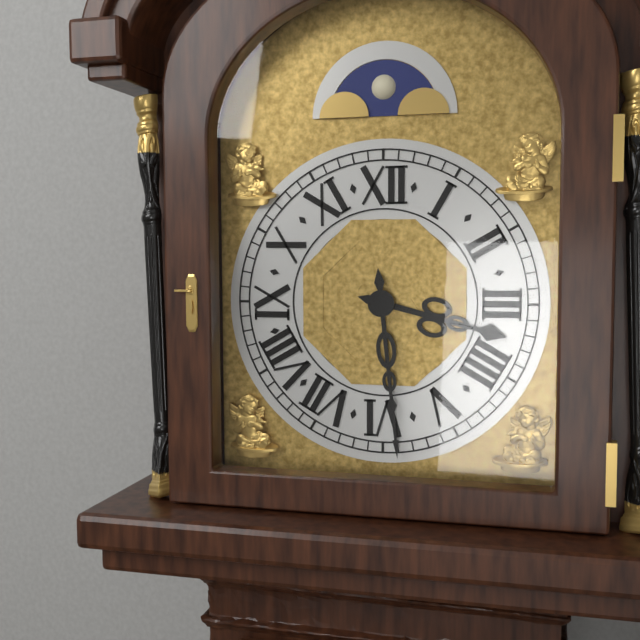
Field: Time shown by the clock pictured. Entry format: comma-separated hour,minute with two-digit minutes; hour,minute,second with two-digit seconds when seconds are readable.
3,29
